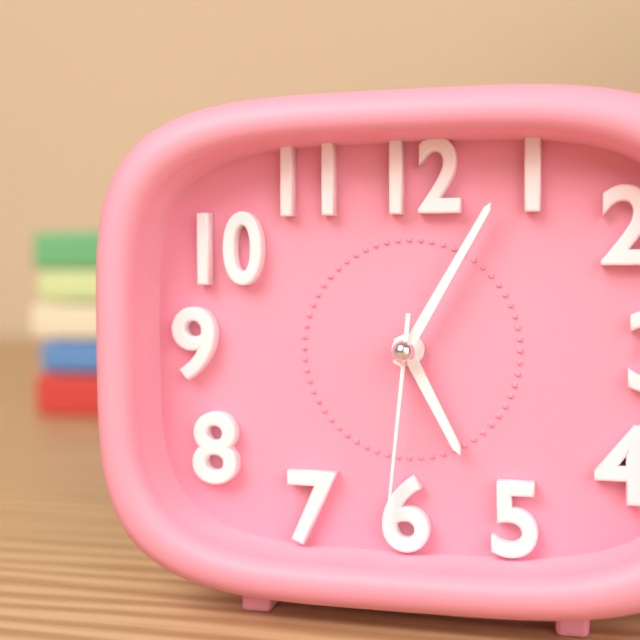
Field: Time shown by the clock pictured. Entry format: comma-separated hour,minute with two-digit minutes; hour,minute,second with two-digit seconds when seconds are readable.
5,05,31
